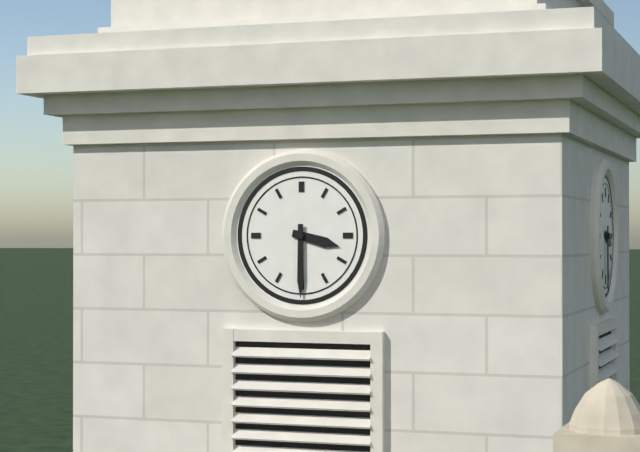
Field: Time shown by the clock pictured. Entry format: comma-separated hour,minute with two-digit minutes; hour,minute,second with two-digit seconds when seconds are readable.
3,30
